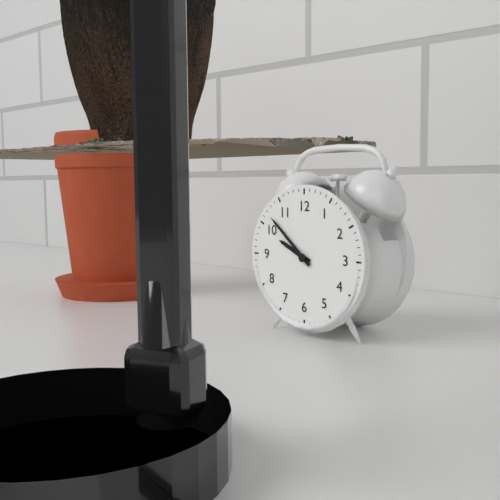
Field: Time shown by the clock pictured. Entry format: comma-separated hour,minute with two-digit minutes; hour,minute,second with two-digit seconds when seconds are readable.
9,52
